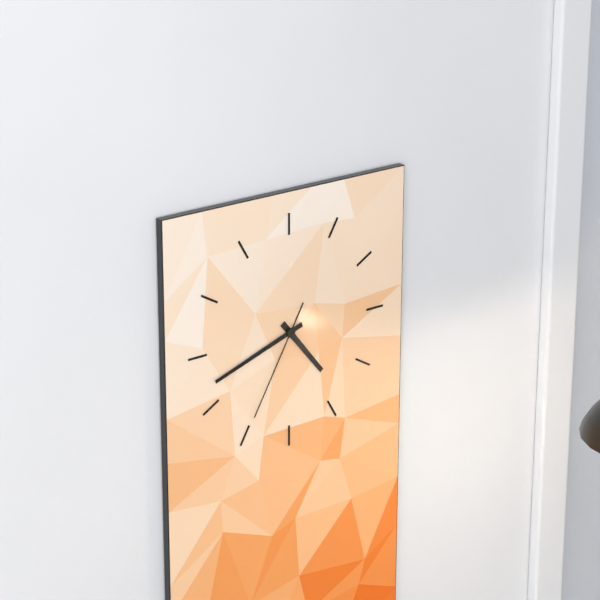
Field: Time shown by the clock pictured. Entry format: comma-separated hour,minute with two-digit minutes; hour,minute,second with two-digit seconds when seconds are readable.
4,42,35
